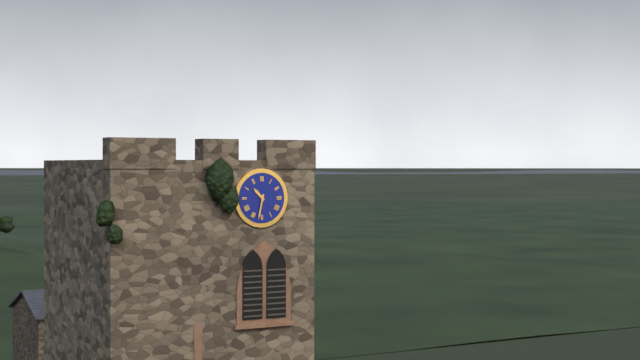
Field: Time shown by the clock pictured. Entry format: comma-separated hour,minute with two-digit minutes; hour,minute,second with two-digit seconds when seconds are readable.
10,32
